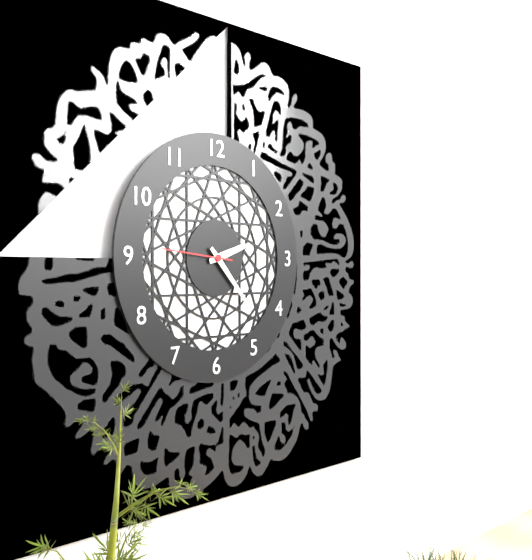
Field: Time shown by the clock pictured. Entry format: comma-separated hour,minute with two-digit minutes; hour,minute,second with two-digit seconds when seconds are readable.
2,23,46
